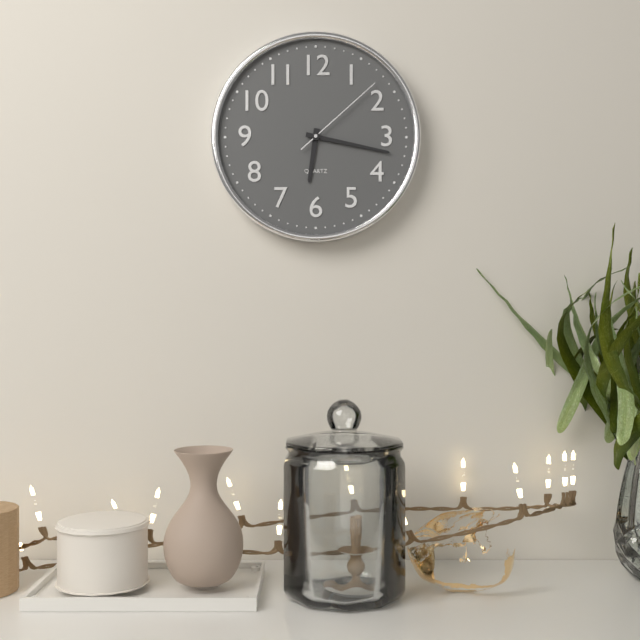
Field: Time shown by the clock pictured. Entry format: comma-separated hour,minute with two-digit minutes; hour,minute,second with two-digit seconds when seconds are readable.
6,17,08
